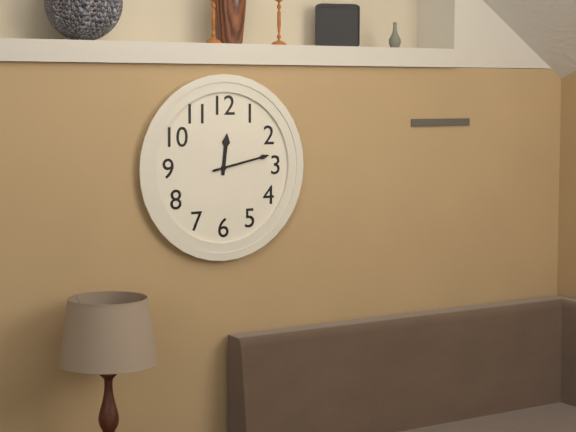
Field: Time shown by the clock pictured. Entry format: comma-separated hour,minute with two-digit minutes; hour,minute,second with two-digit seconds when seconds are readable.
12,13
